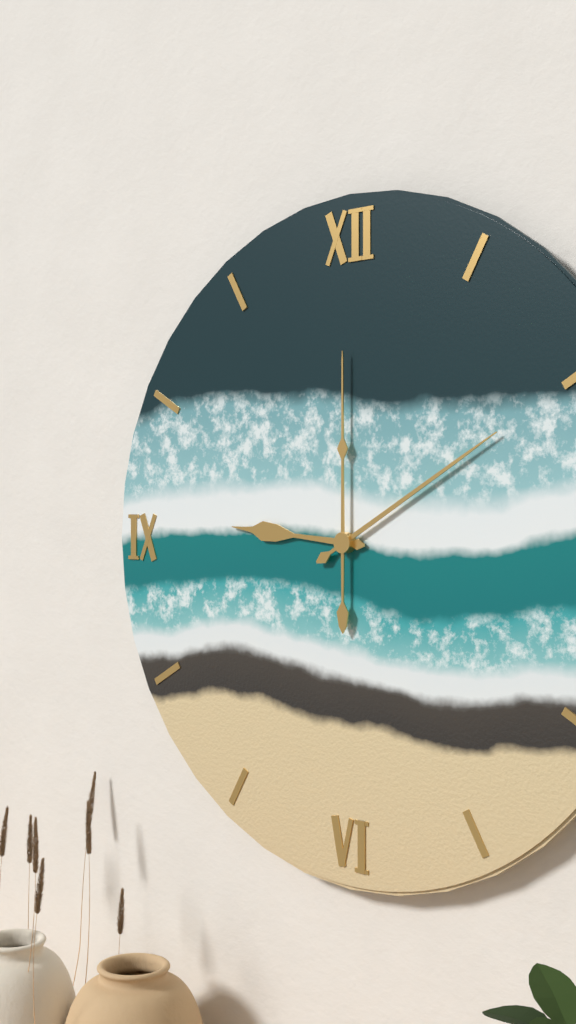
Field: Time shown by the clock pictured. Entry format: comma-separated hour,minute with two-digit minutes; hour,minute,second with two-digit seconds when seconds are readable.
9,10,00
